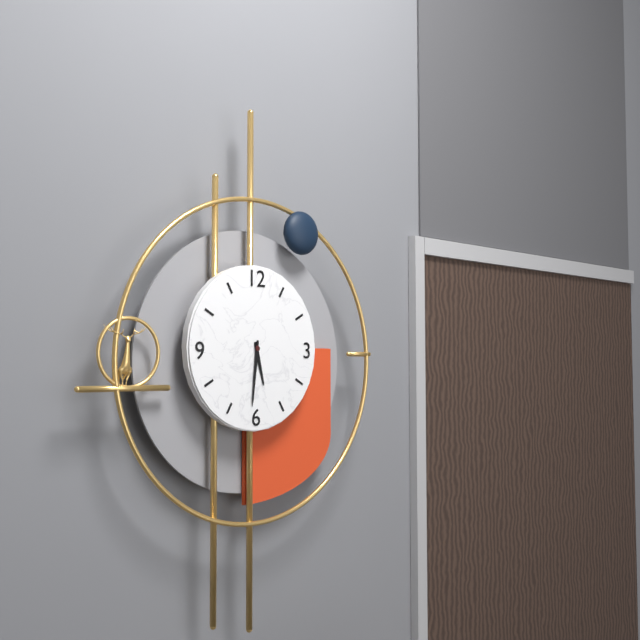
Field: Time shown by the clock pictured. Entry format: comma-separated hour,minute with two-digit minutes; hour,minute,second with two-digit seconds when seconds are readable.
5,31
